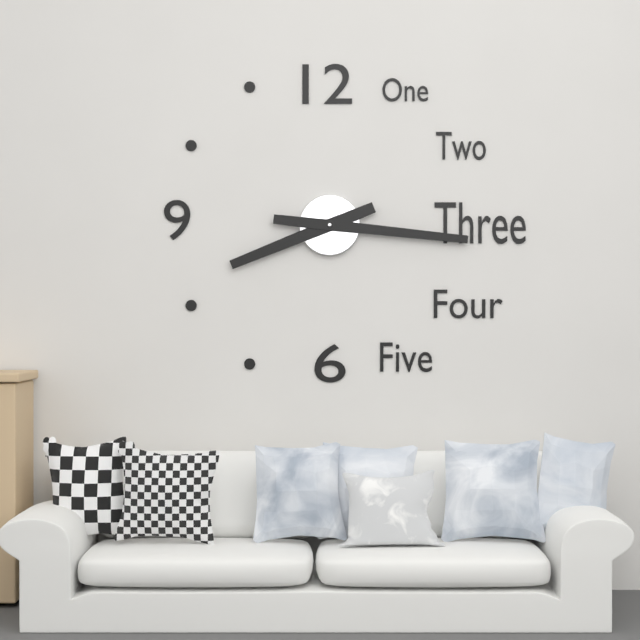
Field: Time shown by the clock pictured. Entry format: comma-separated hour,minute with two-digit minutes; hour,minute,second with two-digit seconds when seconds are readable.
8,16
